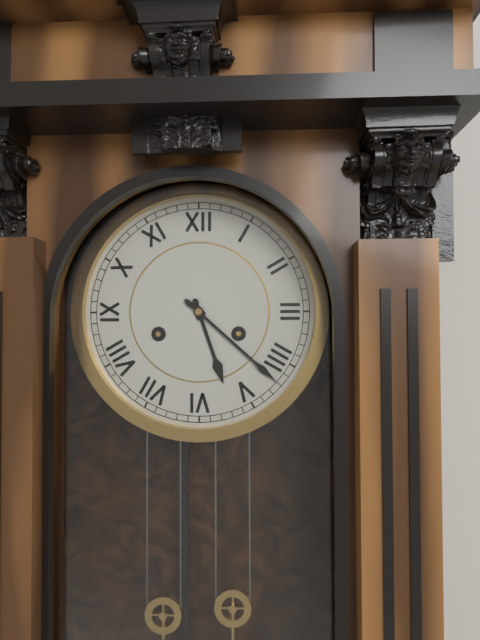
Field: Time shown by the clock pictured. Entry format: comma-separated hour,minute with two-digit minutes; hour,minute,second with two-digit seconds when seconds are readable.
5,22
